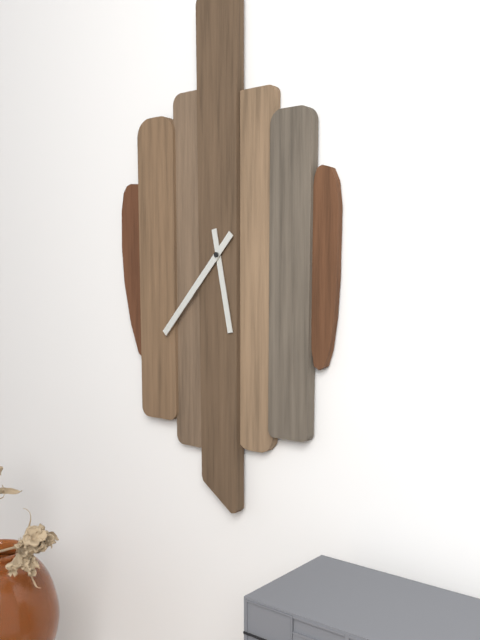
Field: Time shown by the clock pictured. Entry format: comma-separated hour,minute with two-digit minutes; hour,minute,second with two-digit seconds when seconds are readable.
5,37
